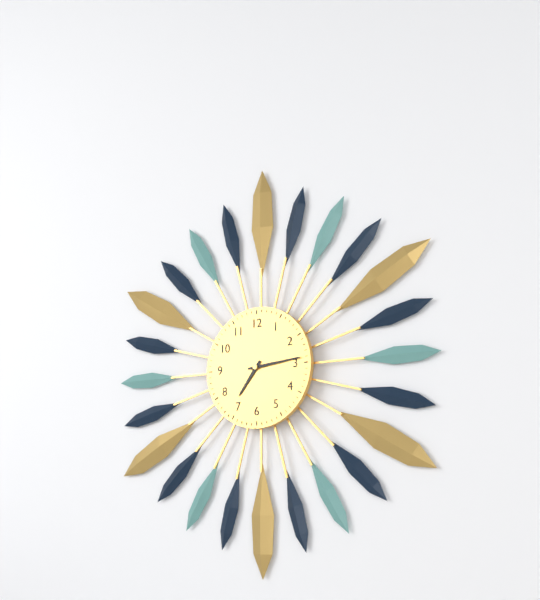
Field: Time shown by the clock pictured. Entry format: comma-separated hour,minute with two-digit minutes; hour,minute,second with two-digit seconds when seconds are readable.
7,14
